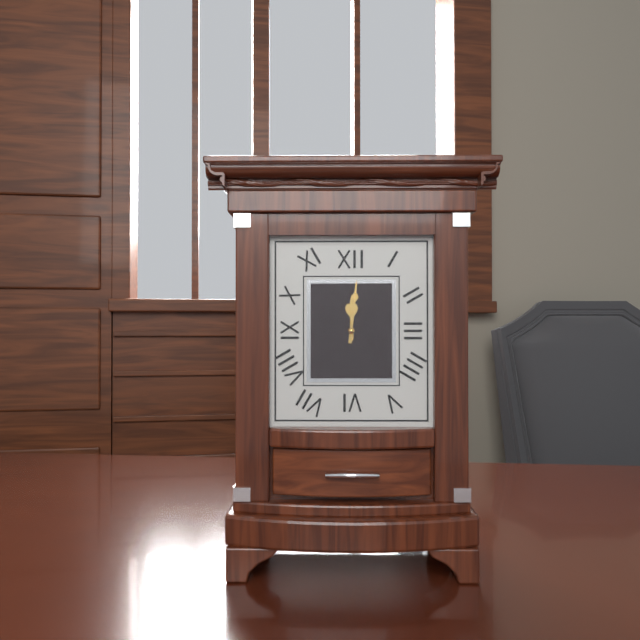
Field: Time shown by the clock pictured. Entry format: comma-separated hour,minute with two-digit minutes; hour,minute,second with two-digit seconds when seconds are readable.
12,01
